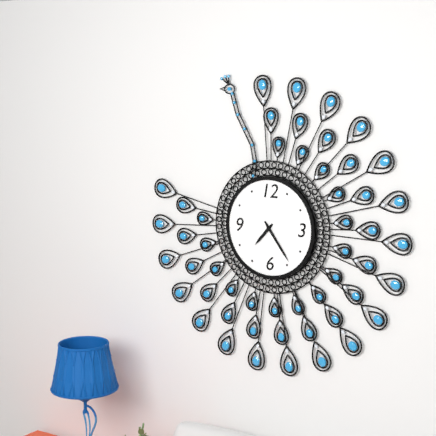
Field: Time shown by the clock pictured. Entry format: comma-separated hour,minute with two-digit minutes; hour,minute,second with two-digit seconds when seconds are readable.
7,24
